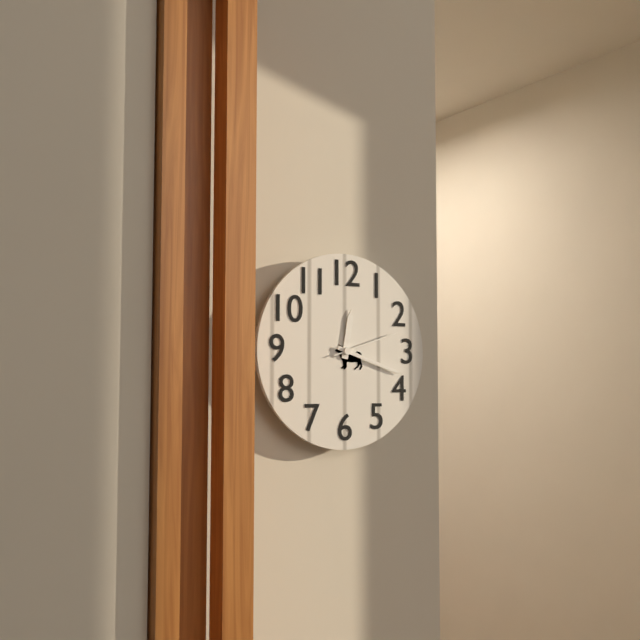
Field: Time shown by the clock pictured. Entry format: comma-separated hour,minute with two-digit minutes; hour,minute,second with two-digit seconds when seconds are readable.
12,18,12
